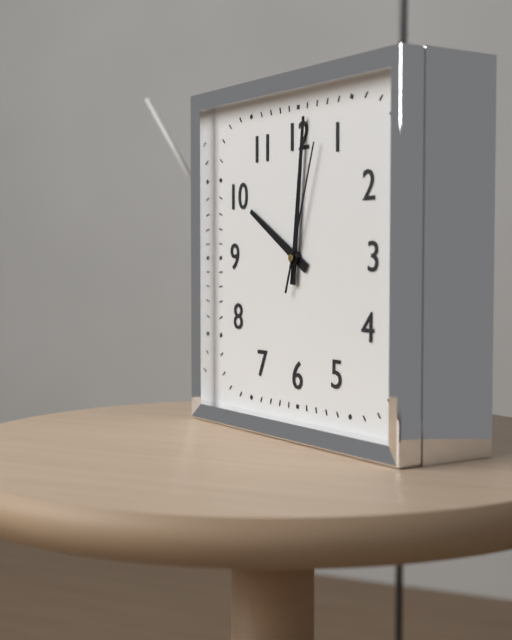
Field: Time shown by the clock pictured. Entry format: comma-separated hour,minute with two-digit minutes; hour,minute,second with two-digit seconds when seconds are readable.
10,01,03
